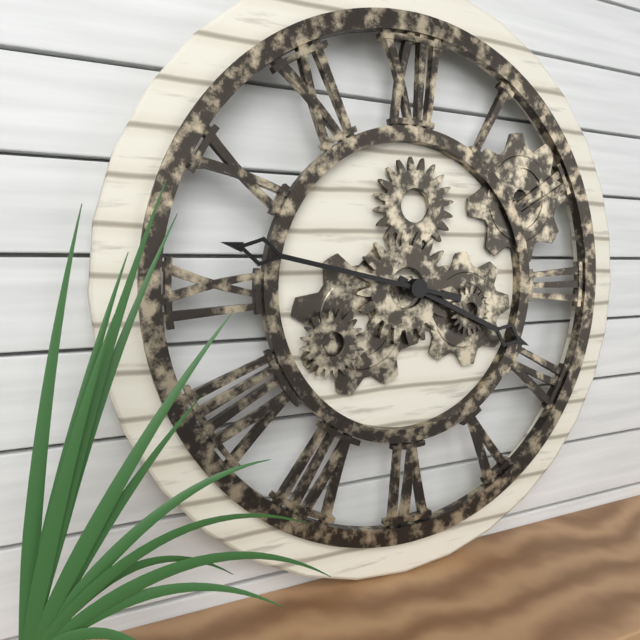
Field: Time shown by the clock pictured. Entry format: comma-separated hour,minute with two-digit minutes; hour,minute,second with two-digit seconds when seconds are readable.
3,47
